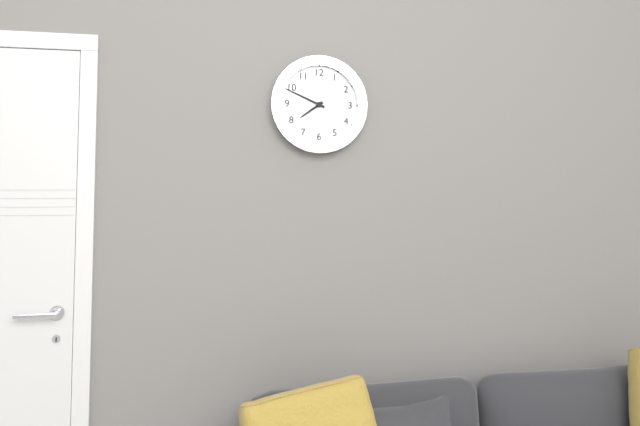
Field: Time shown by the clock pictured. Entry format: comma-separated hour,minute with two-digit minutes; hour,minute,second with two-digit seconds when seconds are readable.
7,49
